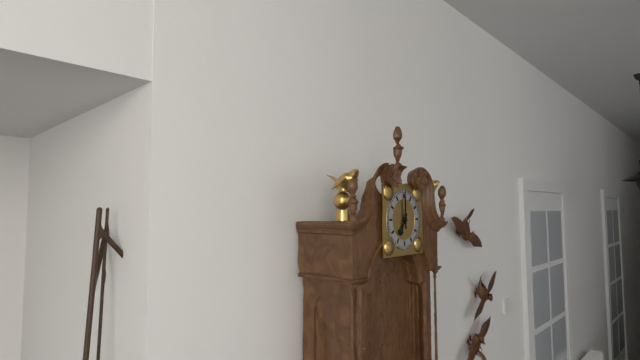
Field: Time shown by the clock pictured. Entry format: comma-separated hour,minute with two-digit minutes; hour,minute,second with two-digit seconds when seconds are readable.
7,00
